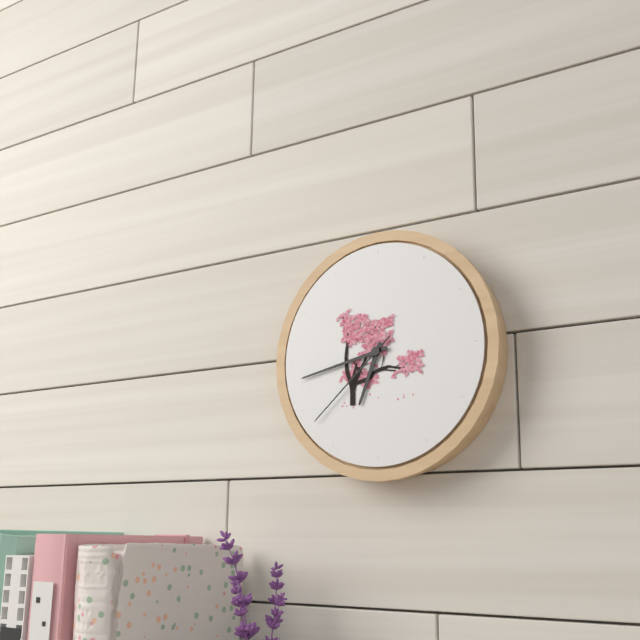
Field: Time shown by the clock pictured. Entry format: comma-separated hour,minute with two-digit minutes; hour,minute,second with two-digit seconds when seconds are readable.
6,43,38
